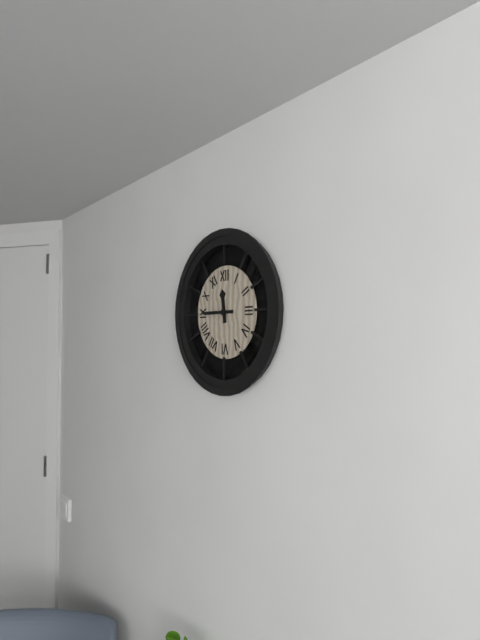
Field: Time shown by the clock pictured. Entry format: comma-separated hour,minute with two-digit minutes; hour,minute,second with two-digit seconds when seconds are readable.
11,45
